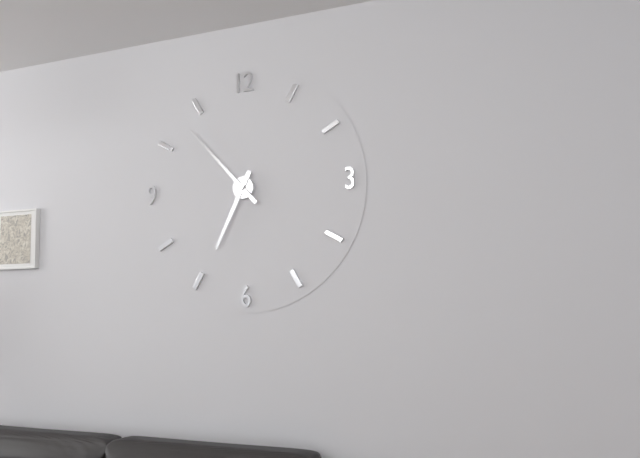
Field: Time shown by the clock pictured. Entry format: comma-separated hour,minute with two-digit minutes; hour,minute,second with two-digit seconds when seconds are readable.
6,53
